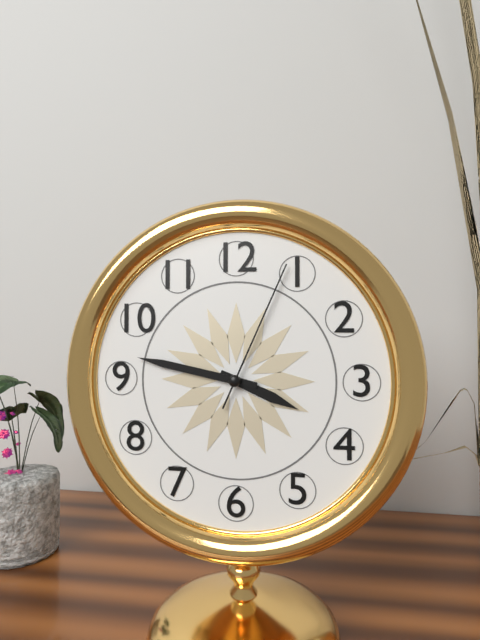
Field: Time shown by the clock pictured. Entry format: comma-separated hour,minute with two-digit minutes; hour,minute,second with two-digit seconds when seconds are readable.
3,47,04
